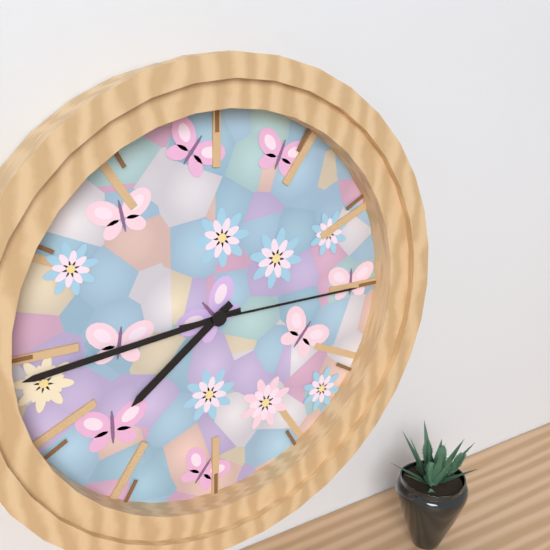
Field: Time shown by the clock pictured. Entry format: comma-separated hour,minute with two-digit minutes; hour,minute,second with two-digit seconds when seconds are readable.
7,44,15
